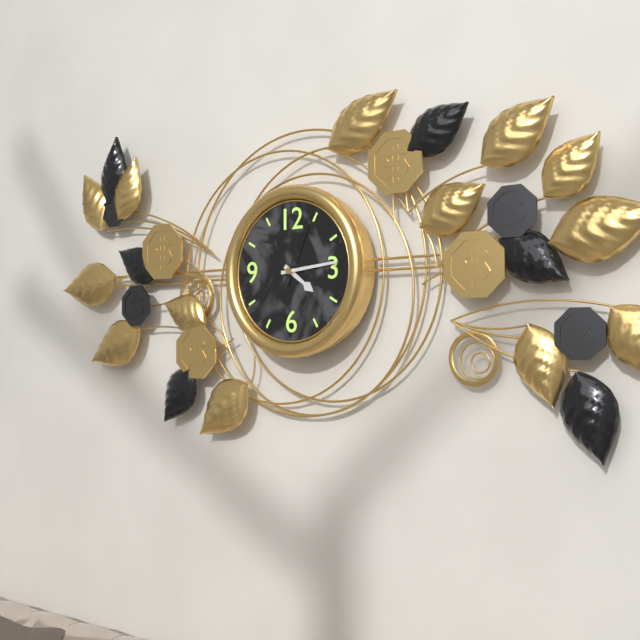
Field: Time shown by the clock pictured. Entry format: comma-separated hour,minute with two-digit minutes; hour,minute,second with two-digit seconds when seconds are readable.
4,14,04
